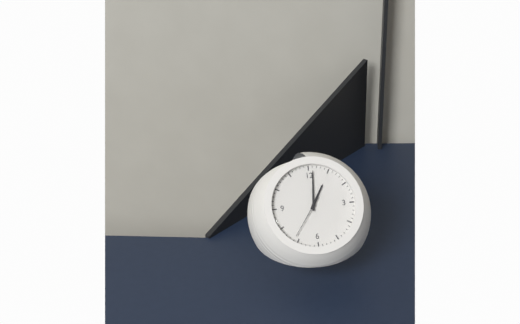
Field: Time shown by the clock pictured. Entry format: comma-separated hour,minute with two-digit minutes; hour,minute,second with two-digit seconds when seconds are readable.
1,01
